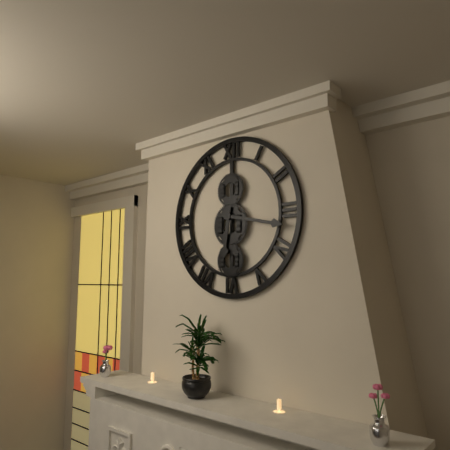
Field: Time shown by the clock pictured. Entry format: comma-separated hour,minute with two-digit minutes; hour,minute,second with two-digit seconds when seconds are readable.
6,17
